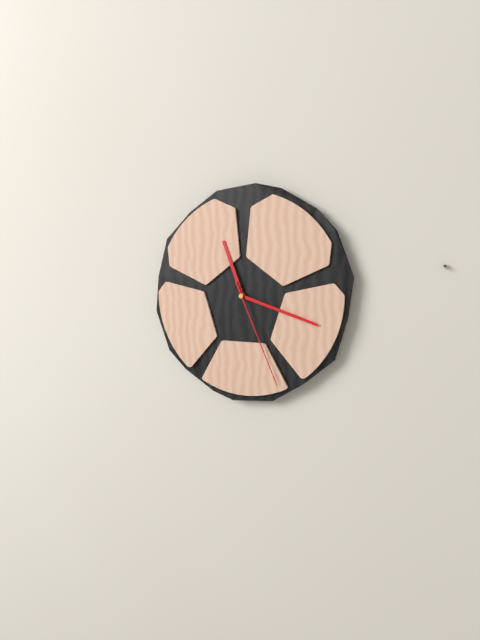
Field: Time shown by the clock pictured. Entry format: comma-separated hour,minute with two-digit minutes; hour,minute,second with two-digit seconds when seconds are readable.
11,18,26
